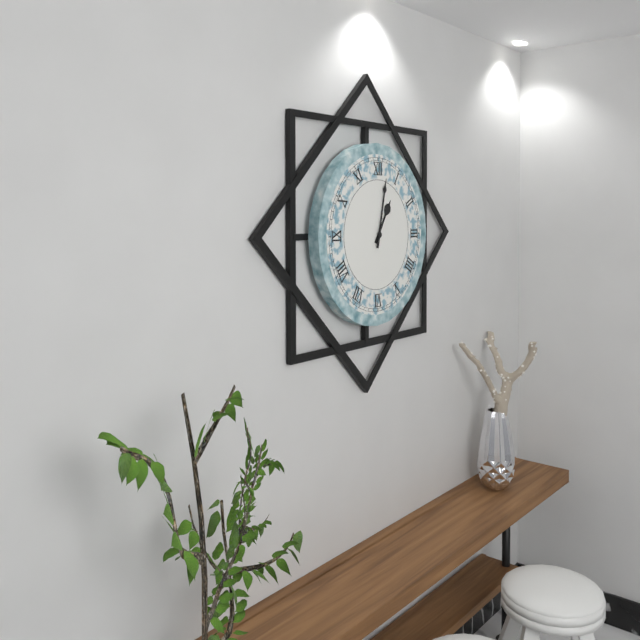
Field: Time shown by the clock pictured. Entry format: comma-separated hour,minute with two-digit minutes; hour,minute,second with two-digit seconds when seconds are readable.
1,02
